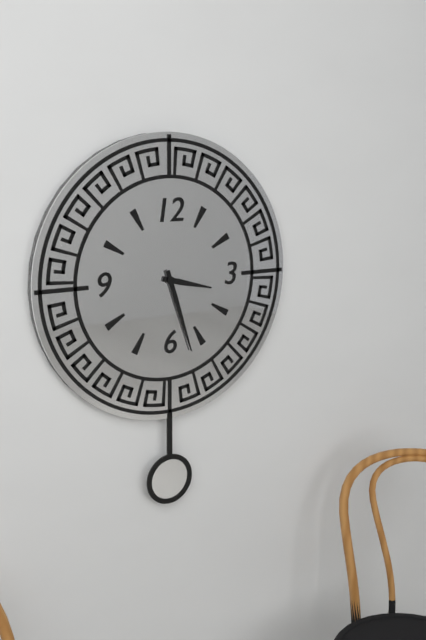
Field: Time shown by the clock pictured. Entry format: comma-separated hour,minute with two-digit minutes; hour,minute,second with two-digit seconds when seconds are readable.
3,27
